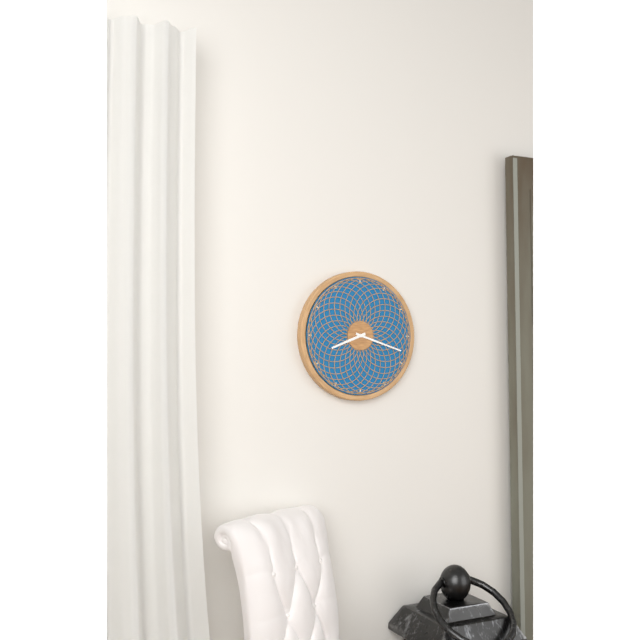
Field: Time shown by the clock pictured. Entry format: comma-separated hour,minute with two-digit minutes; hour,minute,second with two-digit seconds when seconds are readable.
8,18
